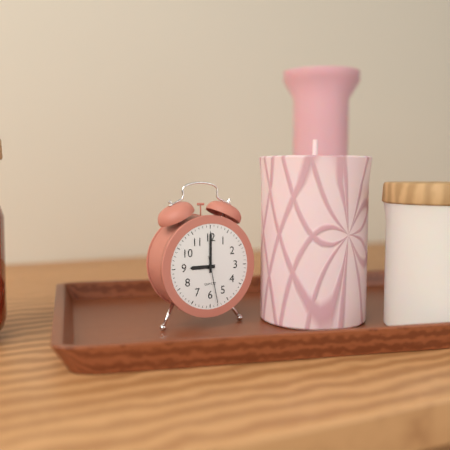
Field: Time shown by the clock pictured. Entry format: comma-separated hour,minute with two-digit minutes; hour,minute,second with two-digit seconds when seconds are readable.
9,00
